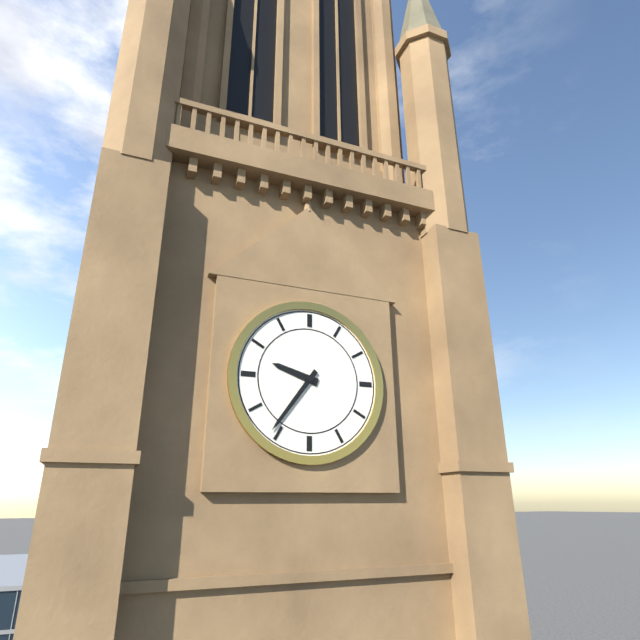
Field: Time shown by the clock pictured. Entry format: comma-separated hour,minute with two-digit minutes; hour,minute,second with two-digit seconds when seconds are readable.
9,36
